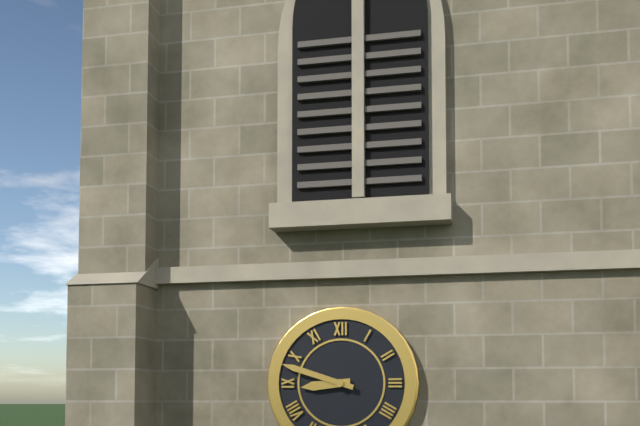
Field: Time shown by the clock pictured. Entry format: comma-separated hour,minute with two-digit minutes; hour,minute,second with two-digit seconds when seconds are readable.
8,48
